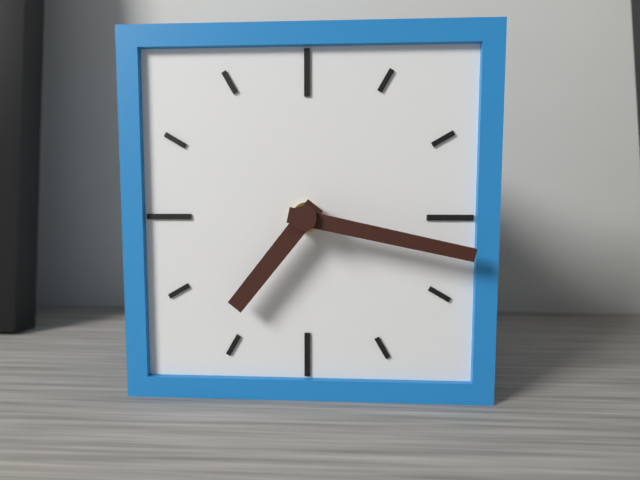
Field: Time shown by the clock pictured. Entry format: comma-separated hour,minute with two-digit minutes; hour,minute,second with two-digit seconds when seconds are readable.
7,17
